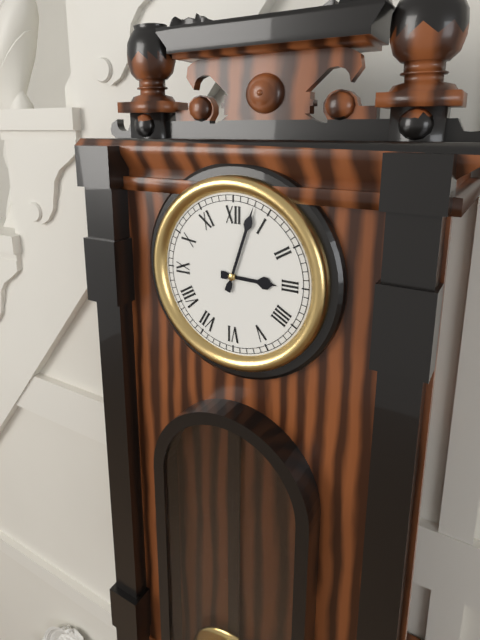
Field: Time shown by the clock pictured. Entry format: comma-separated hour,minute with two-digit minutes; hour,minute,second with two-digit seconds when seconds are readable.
3,03
